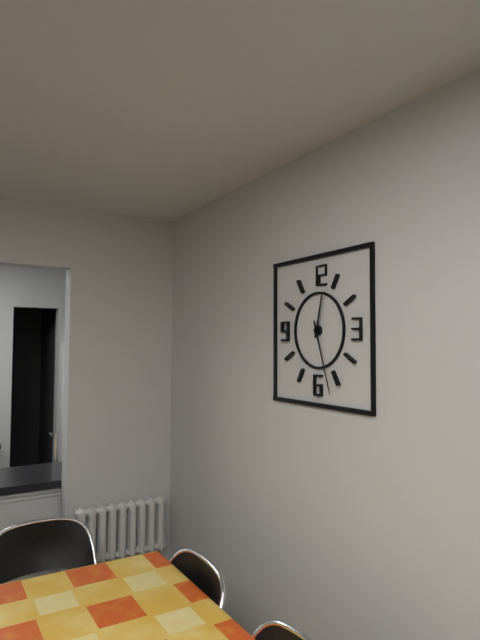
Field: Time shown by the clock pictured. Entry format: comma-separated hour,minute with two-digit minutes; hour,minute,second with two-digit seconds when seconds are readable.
12,27
